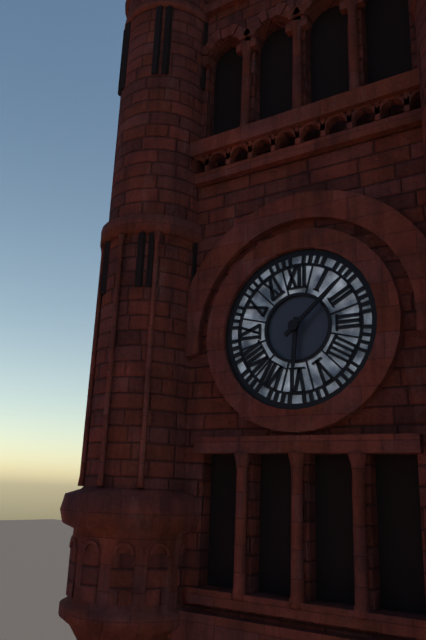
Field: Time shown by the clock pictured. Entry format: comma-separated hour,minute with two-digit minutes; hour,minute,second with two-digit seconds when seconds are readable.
6,08
